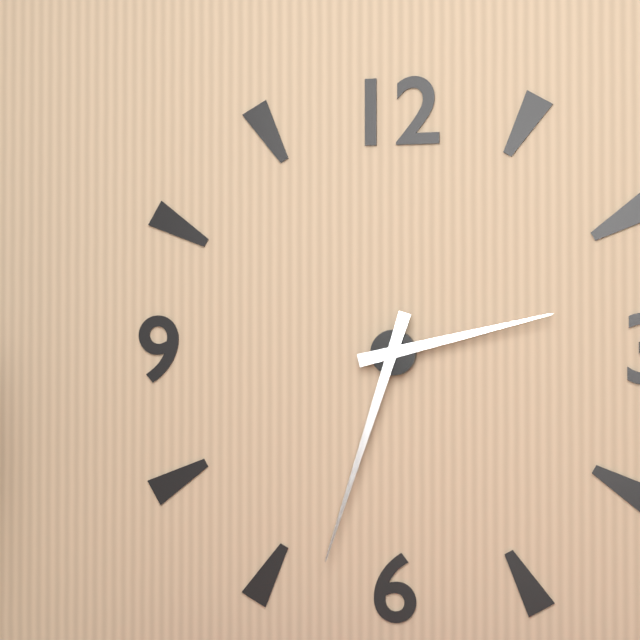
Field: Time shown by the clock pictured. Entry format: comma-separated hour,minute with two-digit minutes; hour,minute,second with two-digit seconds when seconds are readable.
2,33
